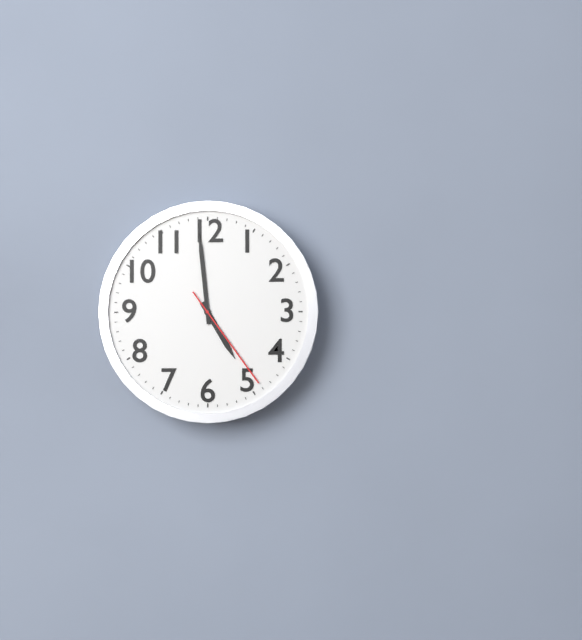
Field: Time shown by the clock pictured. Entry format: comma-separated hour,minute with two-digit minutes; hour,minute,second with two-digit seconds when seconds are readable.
4,59,24
